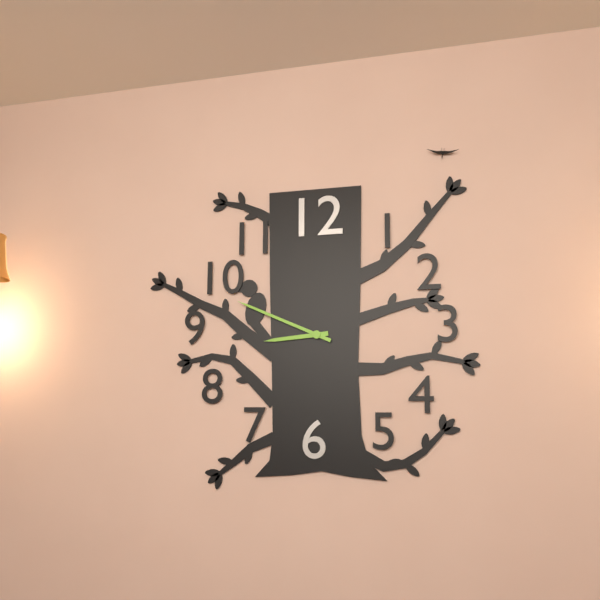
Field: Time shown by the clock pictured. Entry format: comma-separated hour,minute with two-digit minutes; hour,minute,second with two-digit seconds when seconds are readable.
8,49
